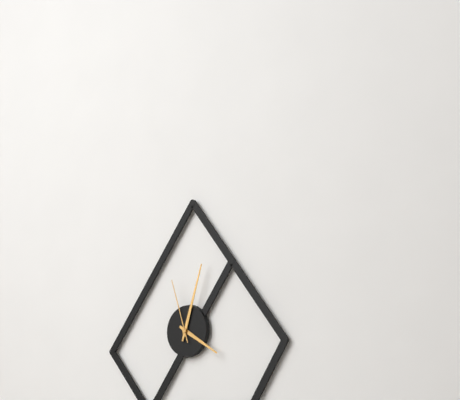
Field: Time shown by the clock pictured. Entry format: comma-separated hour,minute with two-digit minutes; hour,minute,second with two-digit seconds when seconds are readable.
4,03,57
